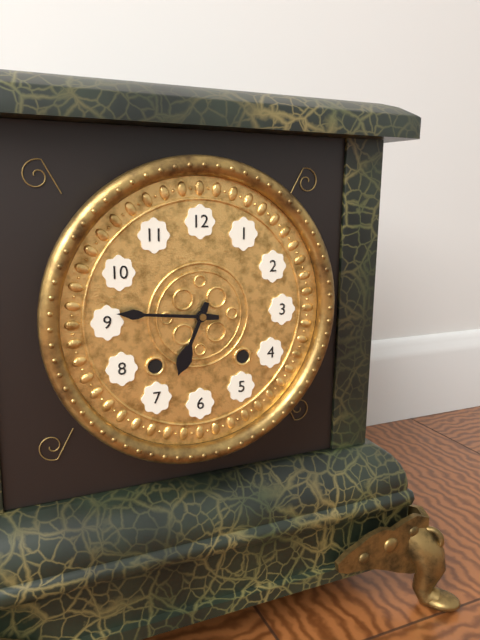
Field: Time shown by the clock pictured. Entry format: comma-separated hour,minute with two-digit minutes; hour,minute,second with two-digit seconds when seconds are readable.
6,46
